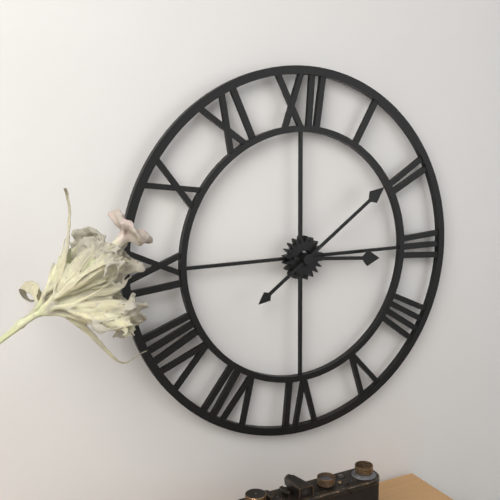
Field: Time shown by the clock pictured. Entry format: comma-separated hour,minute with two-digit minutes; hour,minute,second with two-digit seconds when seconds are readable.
3,09
